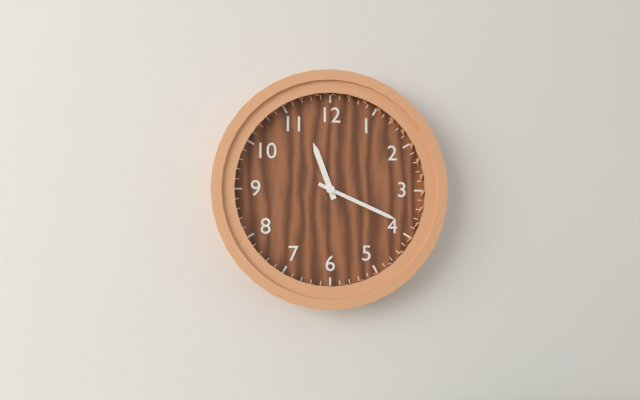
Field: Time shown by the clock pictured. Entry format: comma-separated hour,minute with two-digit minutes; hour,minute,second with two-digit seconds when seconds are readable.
11,19
